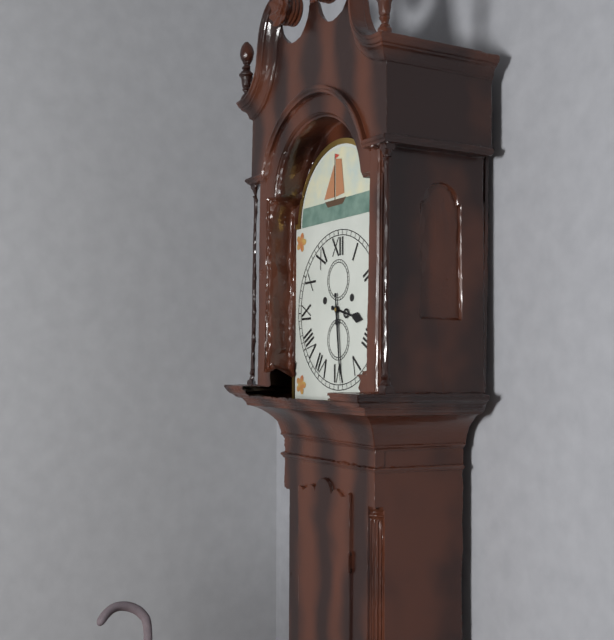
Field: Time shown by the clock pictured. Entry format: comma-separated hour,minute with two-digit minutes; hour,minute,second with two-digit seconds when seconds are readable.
3,29
